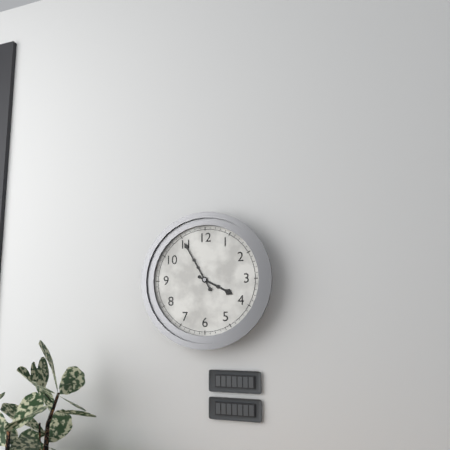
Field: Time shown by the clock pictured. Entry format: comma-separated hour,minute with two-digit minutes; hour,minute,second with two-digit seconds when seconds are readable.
3,55
